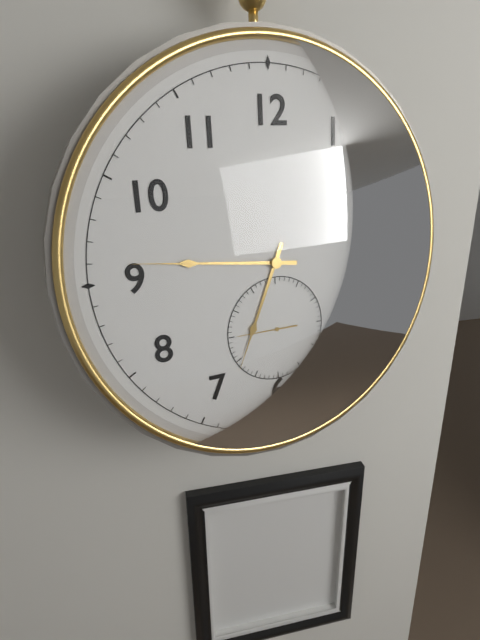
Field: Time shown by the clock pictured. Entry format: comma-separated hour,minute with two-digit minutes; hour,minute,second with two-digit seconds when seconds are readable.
6,46,45
